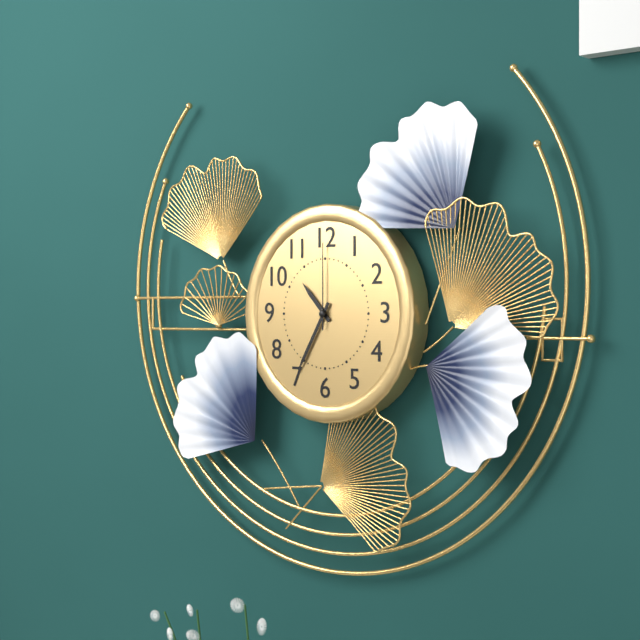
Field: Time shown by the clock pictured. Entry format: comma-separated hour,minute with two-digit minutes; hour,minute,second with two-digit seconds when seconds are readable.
10,35,00
